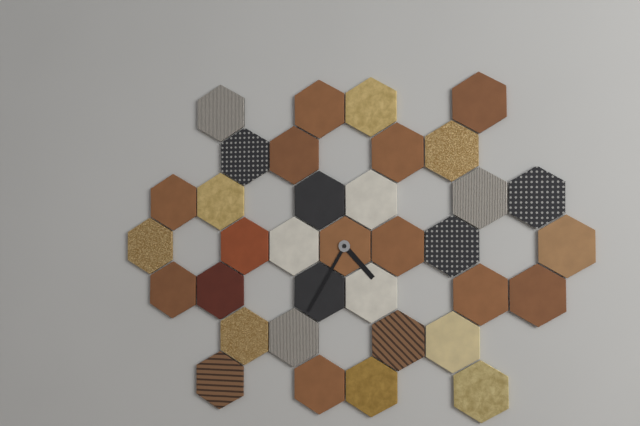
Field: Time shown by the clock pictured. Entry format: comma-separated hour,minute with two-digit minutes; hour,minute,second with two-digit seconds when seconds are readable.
4,35
